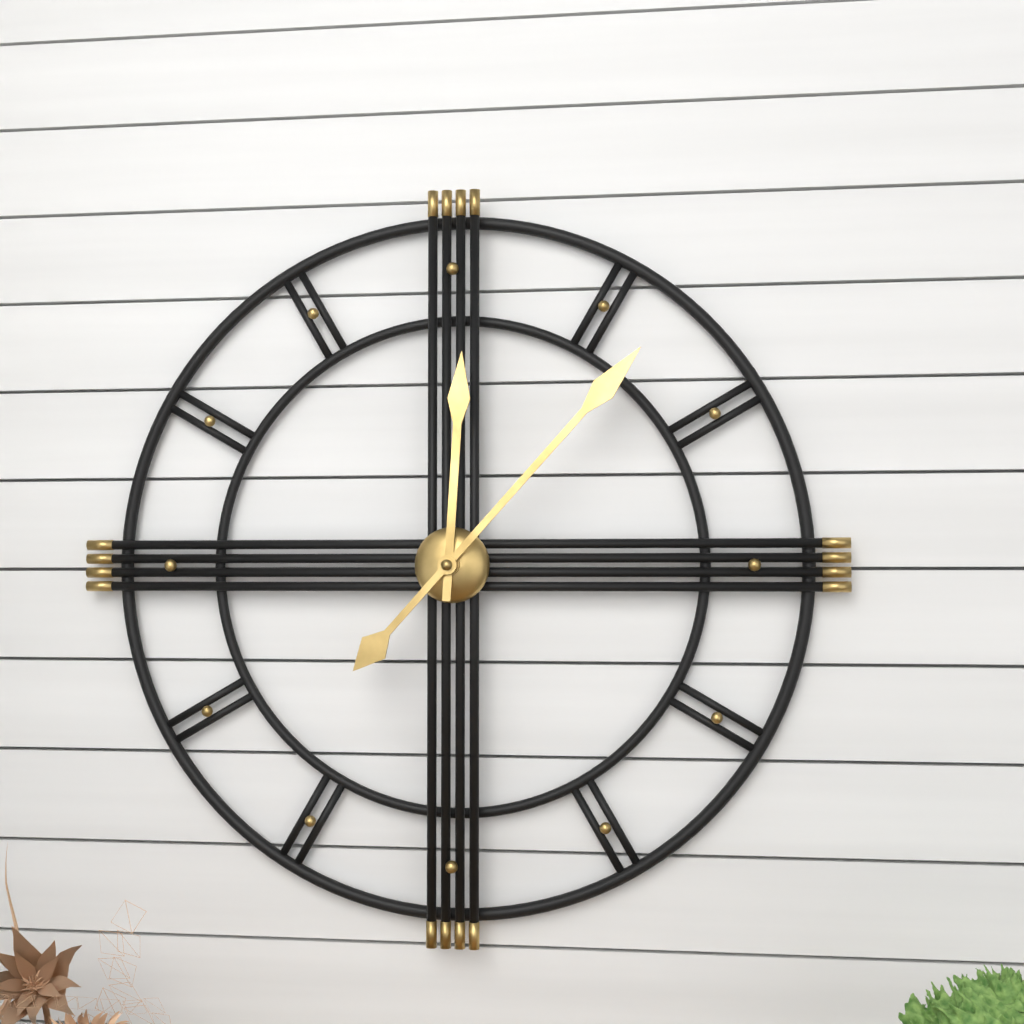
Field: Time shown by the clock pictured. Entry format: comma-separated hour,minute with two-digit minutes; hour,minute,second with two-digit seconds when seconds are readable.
12,07
